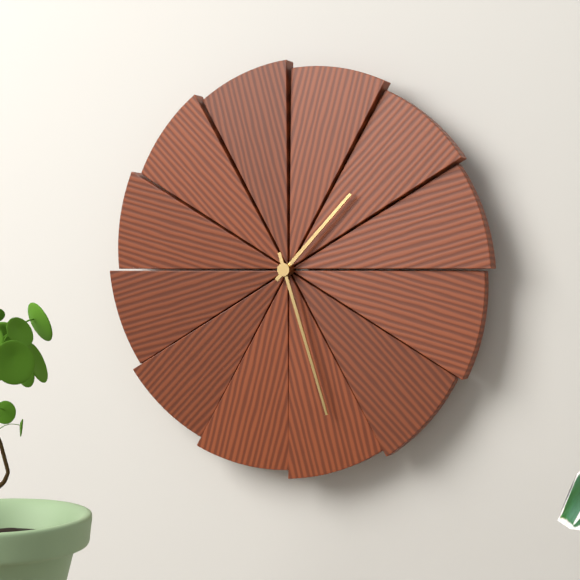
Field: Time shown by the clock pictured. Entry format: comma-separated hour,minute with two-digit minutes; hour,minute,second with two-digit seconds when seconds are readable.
1,27
